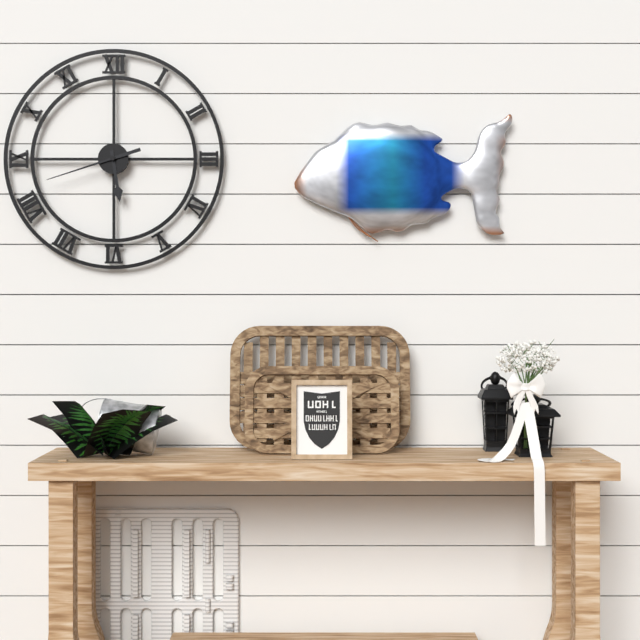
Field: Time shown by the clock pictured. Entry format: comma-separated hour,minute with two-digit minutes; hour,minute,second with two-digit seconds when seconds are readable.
5,42
